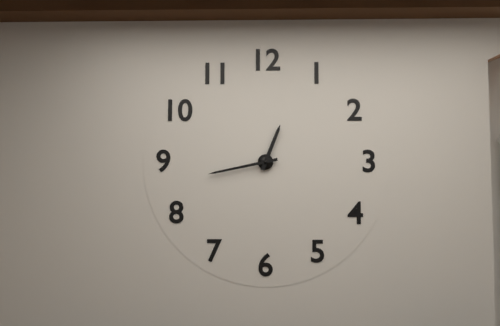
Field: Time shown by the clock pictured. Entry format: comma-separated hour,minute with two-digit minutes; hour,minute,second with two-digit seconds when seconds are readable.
12,43
